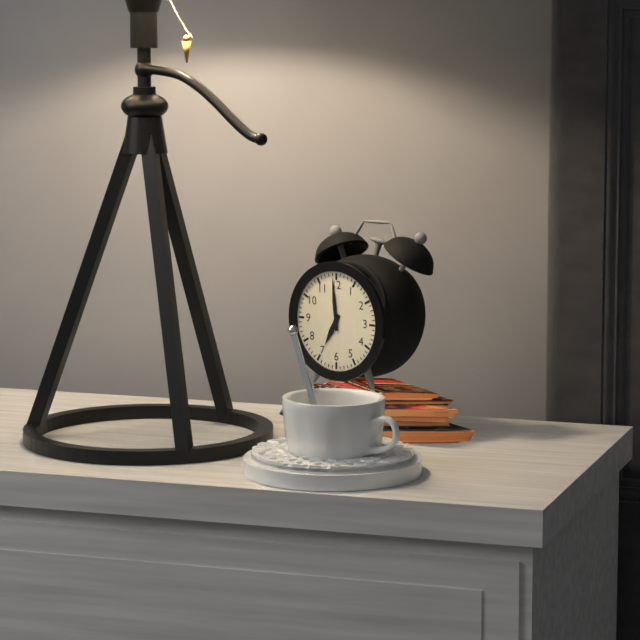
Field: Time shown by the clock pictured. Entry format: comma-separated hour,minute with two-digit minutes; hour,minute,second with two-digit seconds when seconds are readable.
6,59
